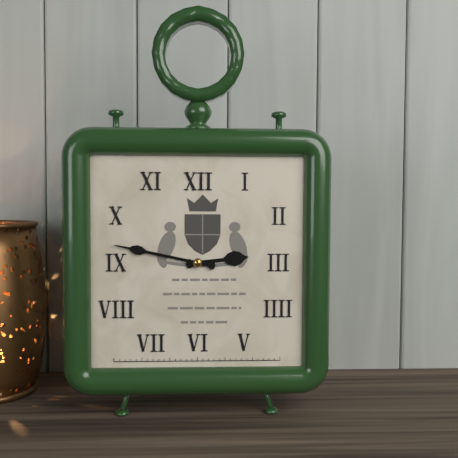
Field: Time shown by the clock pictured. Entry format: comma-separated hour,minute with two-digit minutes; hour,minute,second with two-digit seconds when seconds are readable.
2,47
